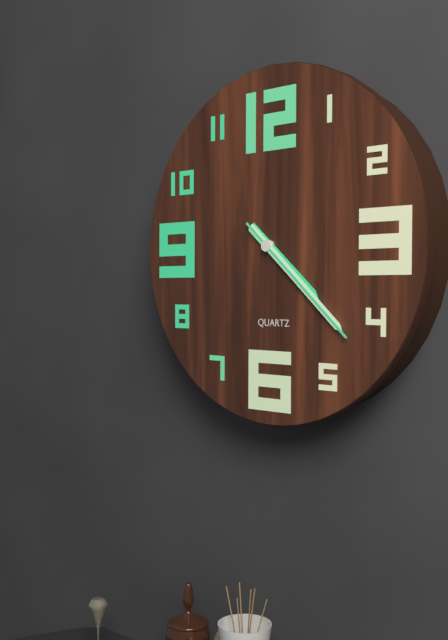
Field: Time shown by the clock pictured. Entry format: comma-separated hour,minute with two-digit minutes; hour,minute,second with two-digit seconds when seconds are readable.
4,22,22
